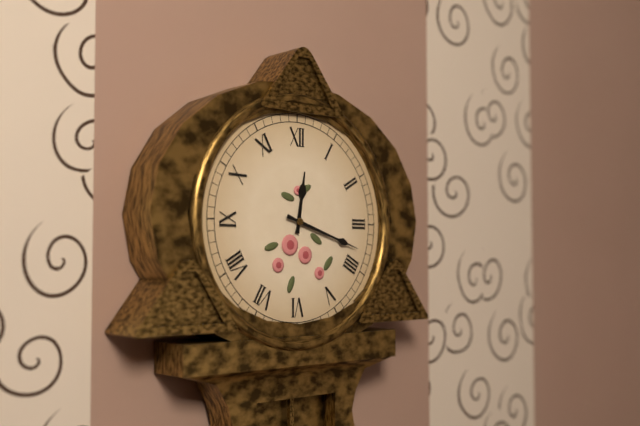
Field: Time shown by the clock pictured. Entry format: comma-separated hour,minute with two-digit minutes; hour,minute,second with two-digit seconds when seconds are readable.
12,18
